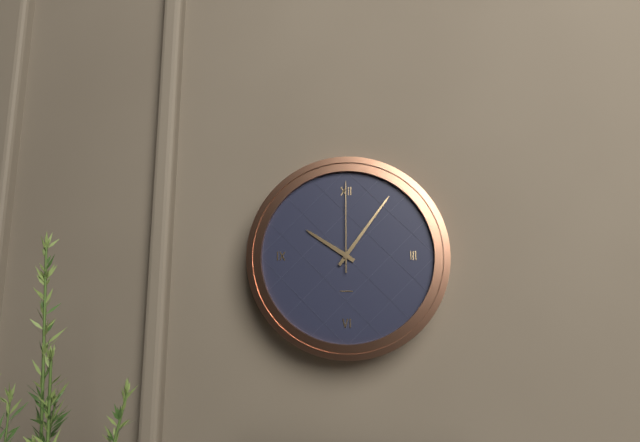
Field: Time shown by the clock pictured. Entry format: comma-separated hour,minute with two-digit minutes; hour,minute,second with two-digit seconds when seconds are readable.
10,06,00
